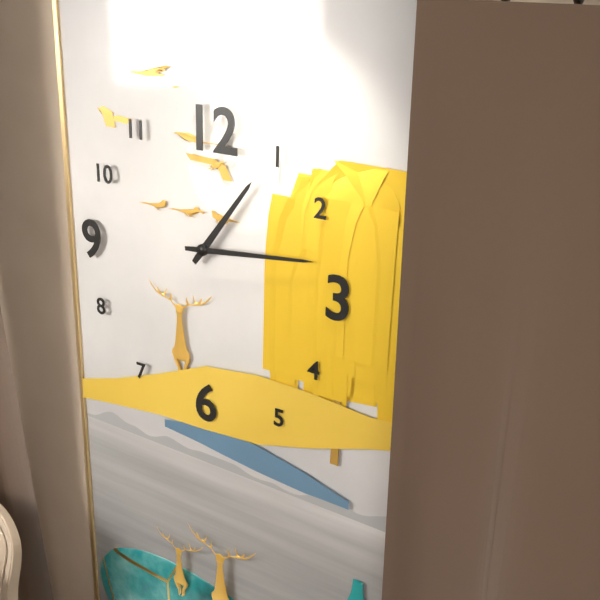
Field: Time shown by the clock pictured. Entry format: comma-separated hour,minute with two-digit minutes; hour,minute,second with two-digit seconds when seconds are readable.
1,14
